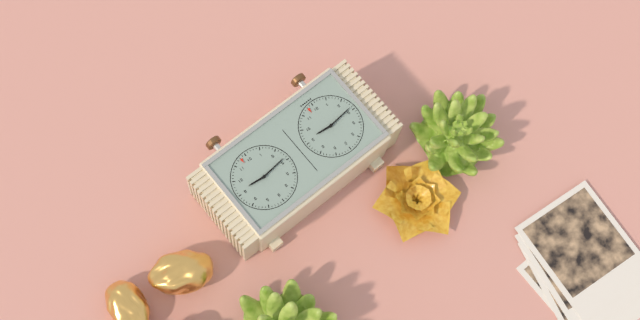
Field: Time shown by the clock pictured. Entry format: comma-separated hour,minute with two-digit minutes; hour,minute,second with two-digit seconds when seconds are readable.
9,14
